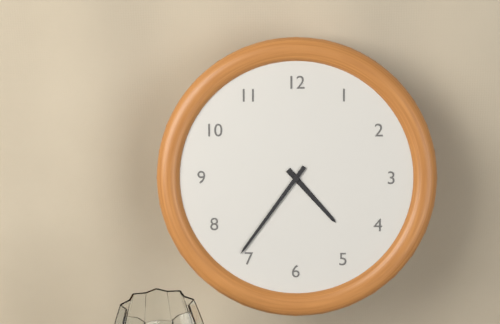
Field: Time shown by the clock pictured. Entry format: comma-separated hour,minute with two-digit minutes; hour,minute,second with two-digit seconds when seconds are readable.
4,36
